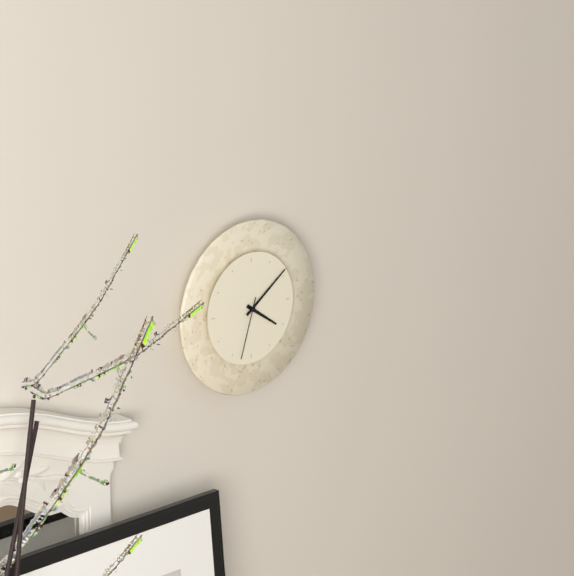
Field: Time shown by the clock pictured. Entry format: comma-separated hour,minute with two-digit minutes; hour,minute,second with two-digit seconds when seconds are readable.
4,09,33
